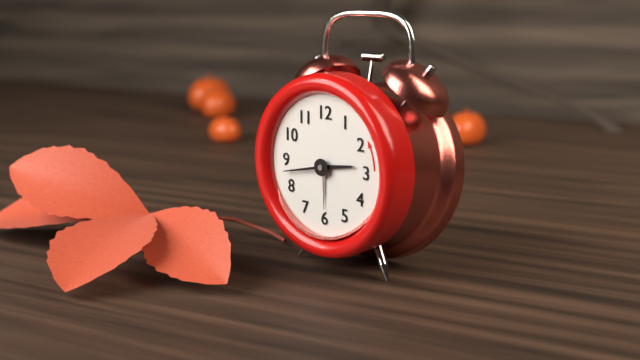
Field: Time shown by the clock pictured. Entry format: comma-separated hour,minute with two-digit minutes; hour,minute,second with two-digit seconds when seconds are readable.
2,43,30
